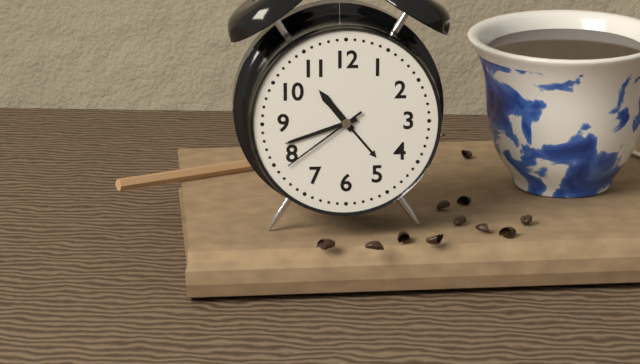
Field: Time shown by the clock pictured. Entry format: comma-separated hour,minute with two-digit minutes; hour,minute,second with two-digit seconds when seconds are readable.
10,42,39
